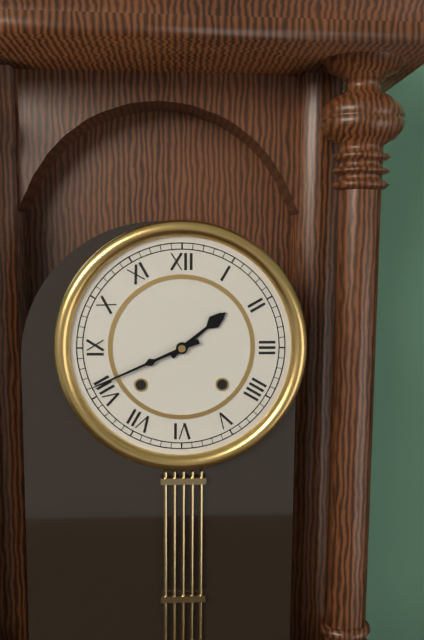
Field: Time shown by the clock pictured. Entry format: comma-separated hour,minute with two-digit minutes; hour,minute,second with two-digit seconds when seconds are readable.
1,41
